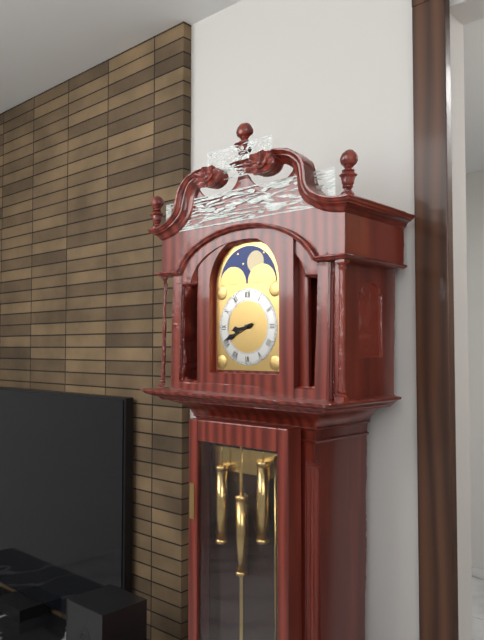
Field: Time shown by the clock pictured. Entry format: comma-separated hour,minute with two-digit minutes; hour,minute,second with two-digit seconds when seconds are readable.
8,41
